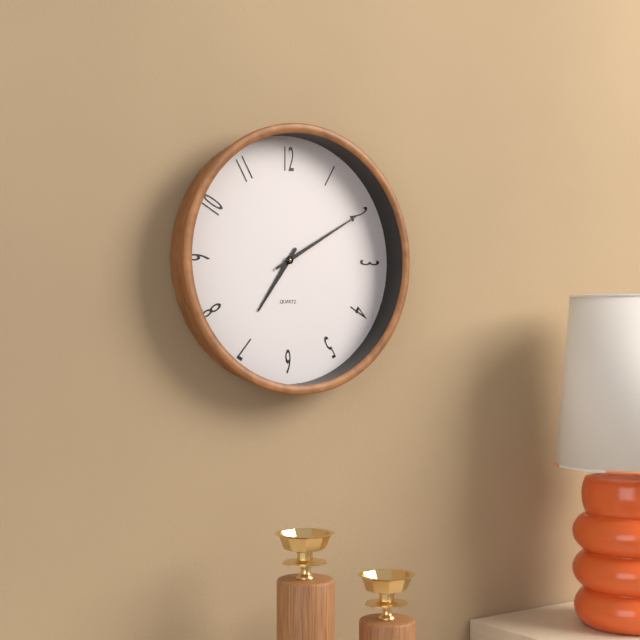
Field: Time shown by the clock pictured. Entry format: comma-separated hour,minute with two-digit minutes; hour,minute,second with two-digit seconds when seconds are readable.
7,10
